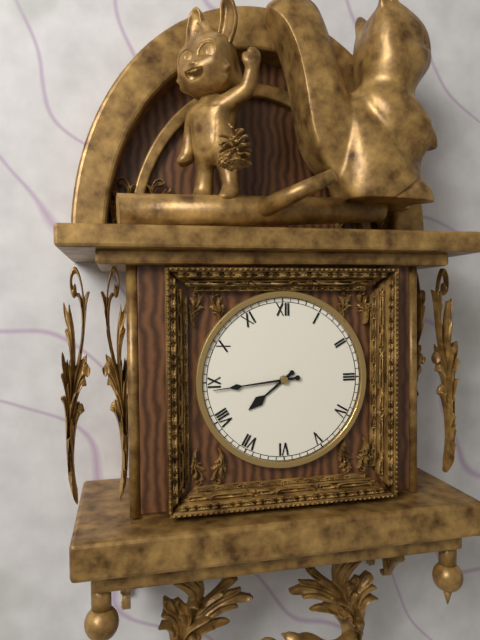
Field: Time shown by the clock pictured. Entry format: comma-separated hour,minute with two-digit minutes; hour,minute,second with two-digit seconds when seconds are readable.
7,44
